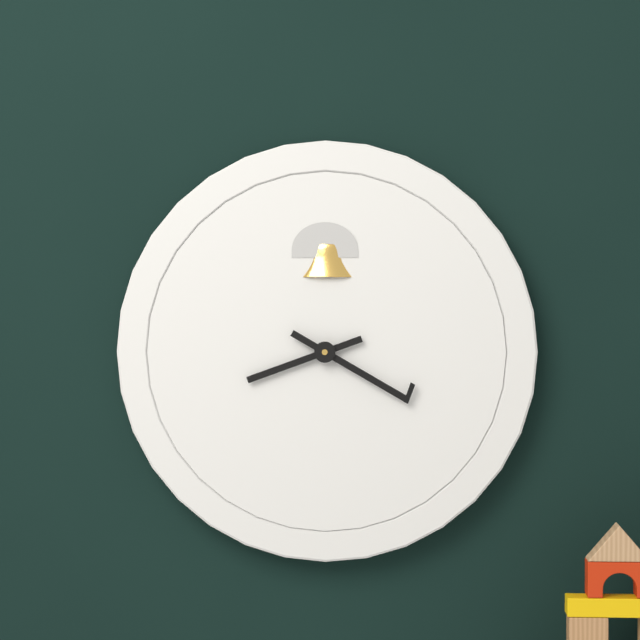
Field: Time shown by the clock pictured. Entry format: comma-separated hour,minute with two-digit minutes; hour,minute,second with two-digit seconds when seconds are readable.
8,20
